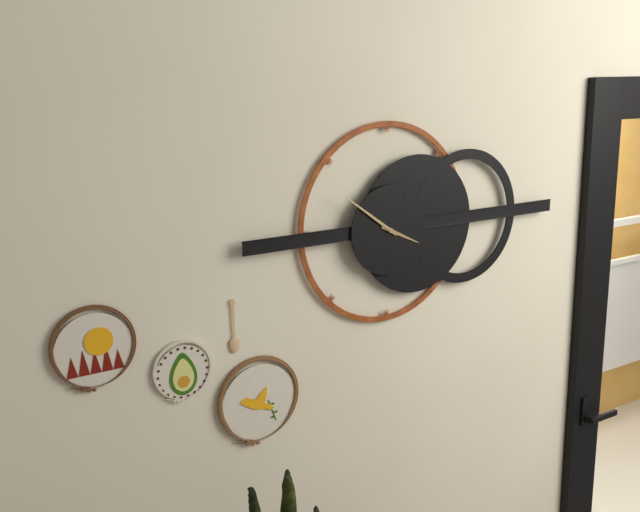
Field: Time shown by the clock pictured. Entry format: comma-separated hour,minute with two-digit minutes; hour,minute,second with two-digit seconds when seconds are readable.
3,51
